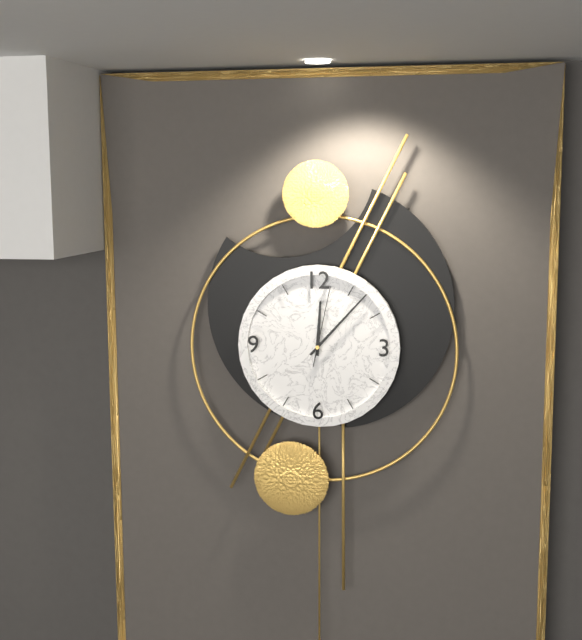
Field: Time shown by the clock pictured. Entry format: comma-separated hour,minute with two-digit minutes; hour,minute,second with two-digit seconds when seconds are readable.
12,07,02
